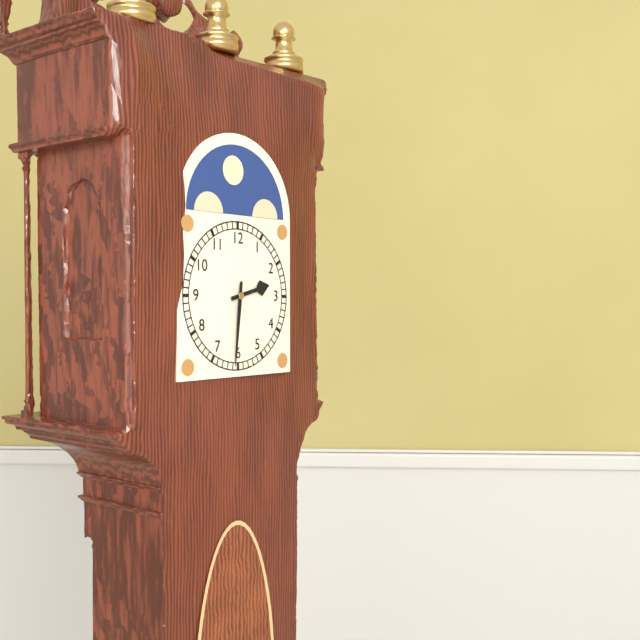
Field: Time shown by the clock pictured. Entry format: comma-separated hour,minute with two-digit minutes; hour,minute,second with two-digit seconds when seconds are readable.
2,31
